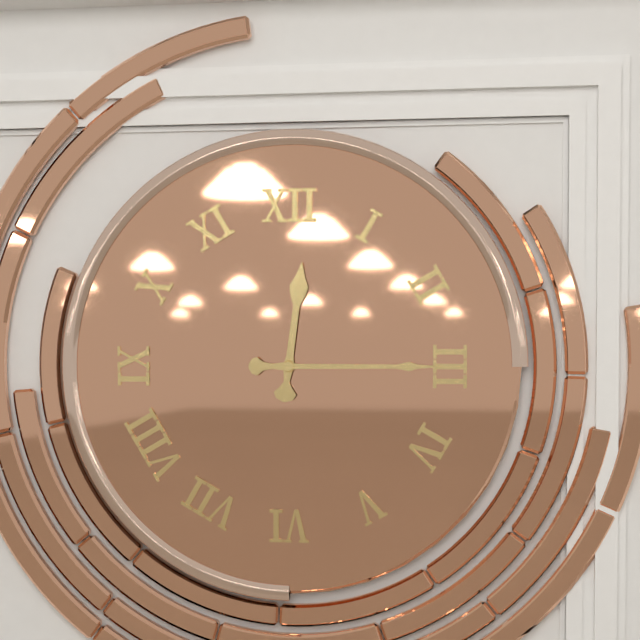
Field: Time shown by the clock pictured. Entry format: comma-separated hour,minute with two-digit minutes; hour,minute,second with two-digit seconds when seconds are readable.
12,15
